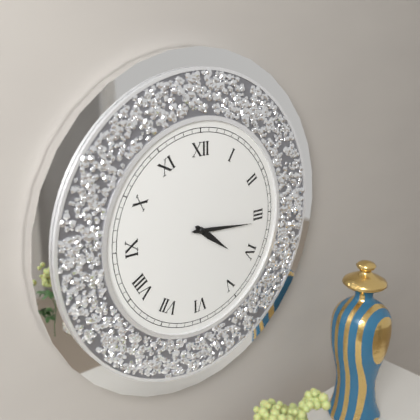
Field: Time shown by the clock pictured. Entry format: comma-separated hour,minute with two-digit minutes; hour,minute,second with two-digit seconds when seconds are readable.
4,16
